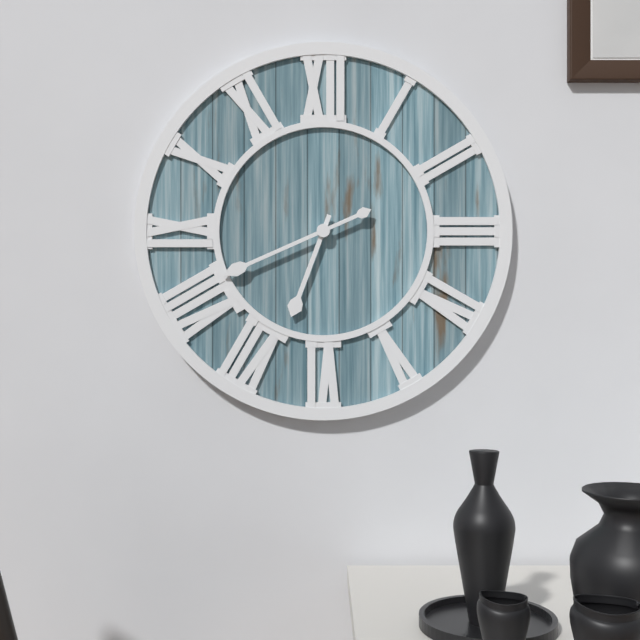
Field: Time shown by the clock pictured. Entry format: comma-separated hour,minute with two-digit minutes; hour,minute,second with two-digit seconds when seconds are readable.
6,41
